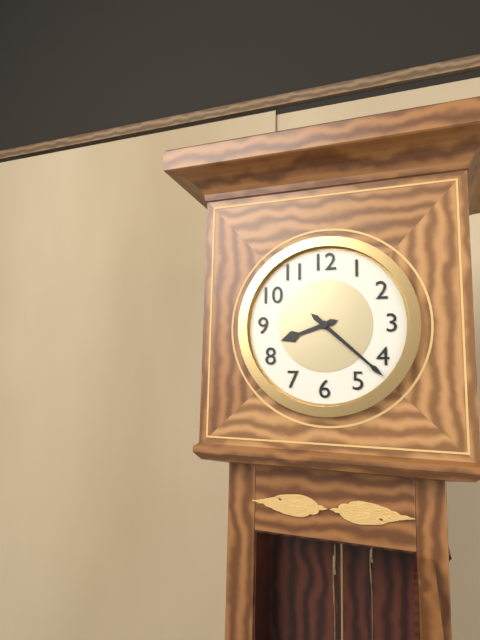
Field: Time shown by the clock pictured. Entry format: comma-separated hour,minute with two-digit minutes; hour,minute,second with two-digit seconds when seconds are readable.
8,22
